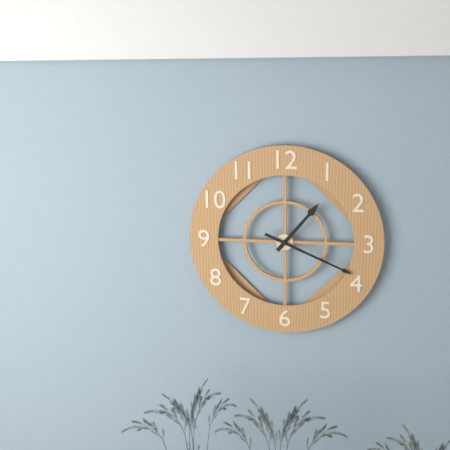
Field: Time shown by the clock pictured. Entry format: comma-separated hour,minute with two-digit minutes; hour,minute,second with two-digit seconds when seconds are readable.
1,19
